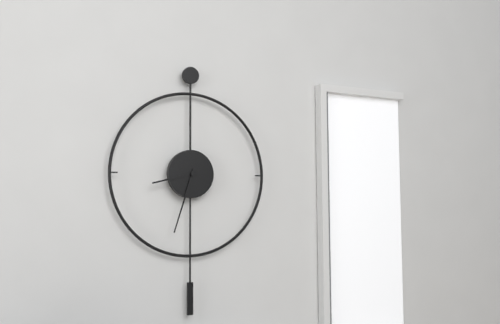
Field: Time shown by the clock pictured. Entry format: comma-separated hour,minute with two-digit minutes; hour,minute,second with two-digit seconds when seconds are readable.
8,33
